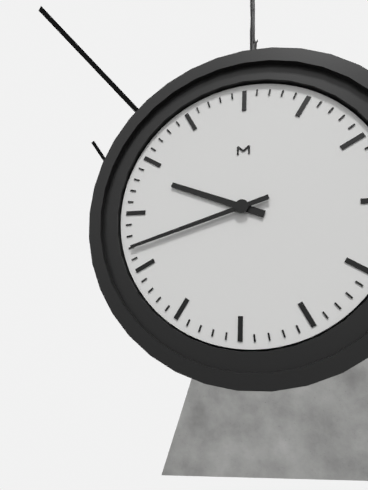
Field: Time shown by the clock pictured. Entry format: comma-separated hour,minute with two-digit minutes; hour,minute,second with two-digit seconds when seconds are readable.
9,42
